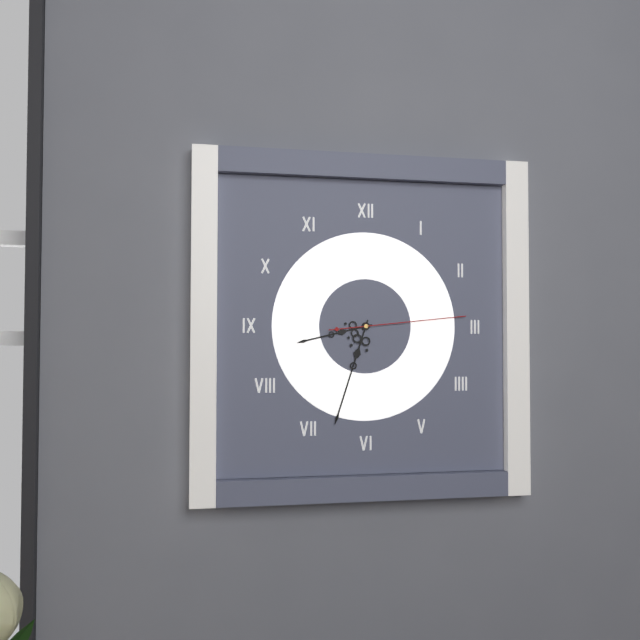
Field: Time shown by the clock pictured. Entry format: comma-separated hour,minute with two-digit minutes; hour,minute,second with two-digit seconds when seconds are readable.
8,33,14
